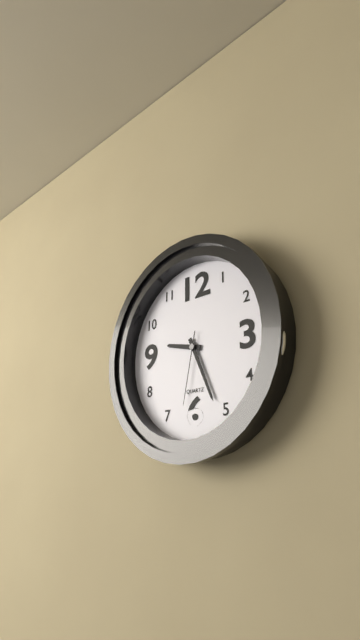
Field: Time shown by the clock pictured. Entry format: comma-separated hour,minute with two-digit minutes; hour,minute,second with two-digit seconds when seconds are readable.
9,26,32
